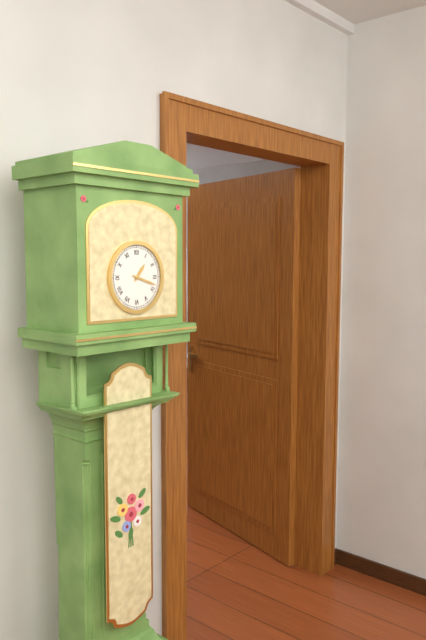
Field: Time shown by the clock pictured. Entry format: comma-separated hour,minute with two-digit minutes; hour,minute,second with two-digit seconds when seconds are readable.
1,18
